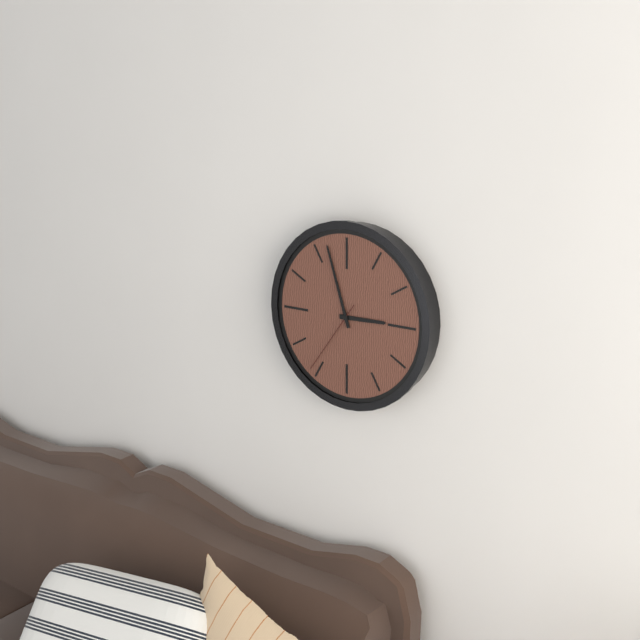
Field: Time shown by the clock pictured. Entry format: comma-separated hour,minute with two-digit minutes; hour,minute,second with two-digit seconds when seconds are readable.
2,57,36
